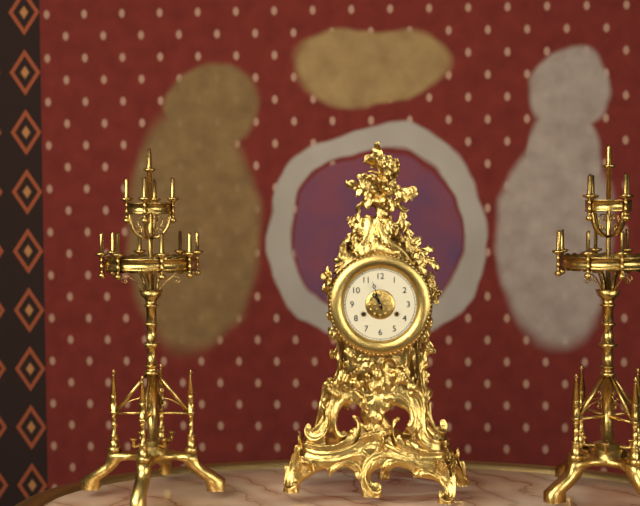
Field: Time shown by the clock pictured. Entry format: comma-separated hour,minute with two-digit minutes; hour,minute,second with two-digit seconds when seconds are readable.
10,57
